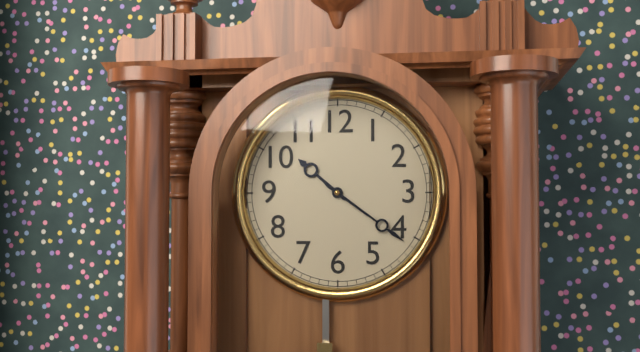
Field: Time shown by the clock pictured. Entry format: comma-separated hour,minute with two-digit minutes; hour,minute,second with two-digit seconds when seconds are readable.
10,21
